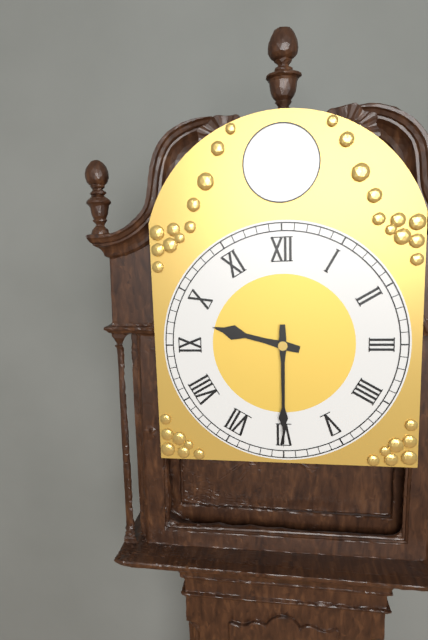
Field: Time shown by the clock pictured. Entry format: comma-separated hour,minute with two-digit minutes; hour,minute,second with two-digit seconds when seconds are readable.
9,30
